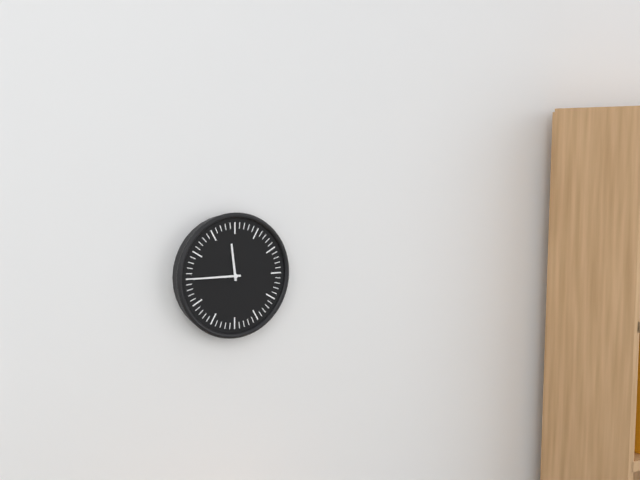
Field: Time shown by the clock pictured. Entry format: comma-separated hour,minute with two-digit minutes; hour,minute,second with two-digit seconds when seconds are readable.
11,45
